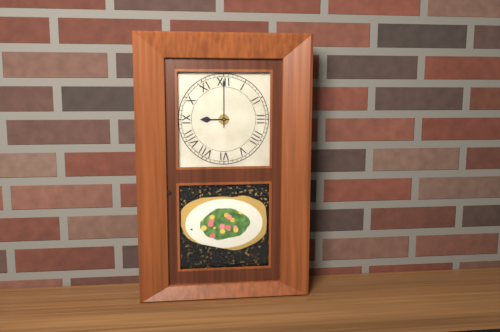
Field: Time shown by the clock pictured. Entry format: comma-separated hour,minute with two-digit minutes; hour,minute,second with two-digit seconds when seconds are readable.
9,00
